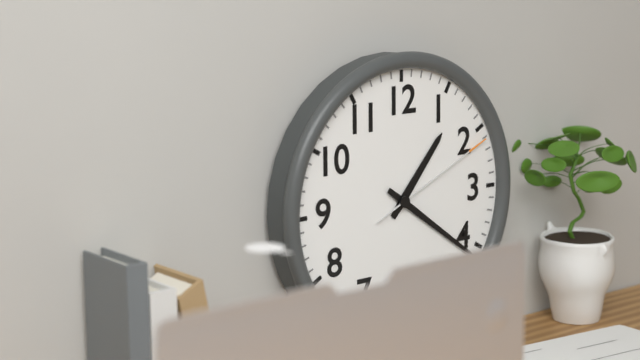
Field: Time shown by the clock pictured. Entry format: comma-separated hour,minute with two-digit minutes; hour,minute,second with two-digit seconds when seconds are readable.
1,21,11
